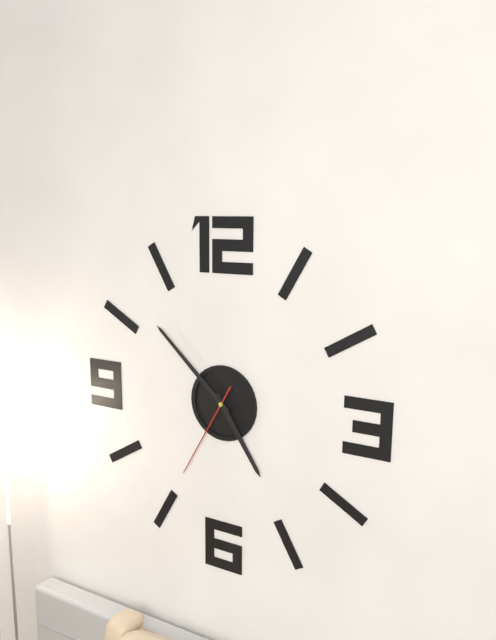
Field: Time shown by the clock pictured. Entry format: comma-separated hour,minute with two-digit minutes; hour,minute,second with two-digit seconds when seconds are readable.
4,52,35
